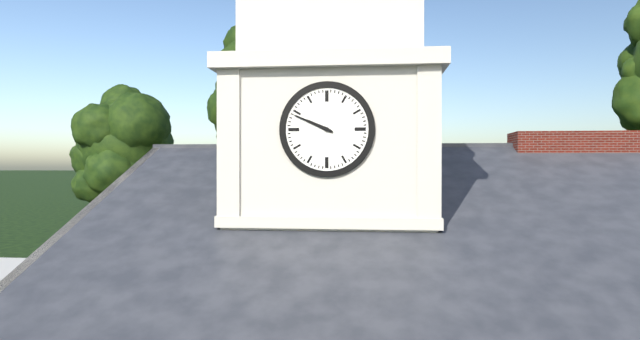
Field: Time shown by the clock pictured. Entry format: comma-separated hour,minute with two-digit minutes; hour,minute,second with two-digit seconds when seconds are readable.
9,49
